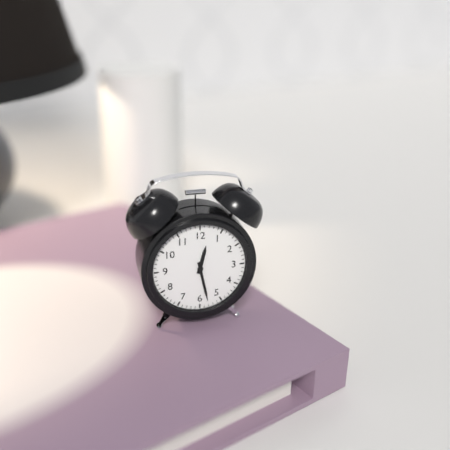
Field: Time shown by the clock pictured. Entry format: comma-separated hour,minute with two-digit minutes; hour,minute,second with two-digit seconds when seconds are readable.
12,28
